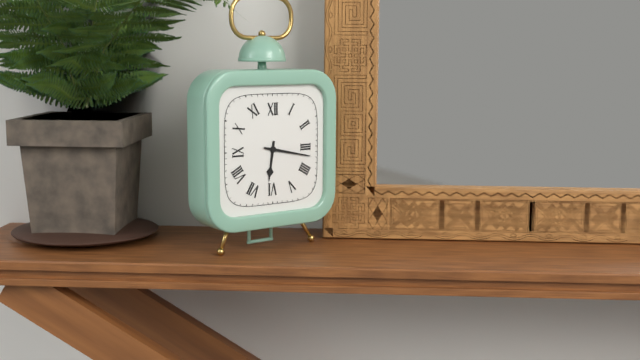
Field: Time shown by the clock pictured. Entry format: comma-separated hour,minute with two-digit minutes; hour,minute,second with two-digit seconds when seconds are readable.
6,17
